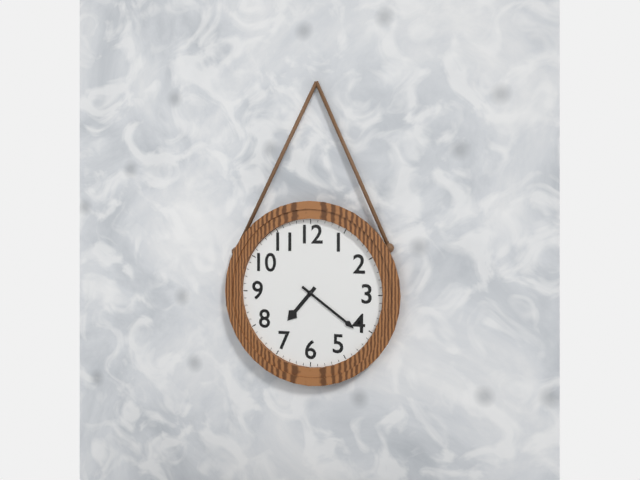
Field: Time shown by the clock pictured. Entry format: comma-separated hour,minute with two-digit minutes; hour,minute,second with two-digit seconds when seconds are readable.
7,21
